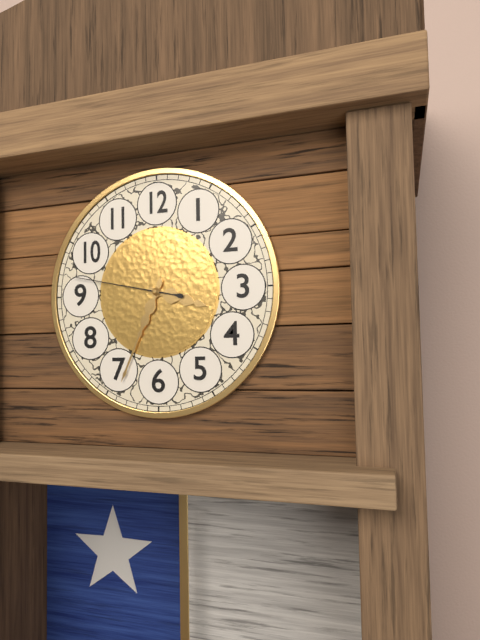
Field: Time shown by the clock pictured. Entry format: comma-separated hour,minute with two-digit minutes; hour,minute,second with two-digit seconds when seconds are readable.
3,34,47
